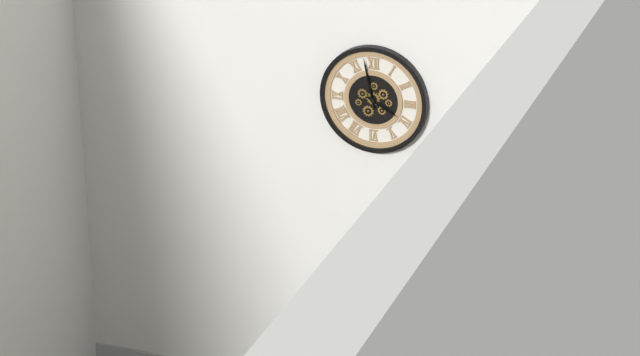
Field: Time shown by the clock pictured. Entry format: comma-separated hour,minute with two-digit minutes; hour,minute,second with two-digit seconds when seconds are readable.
3,58
